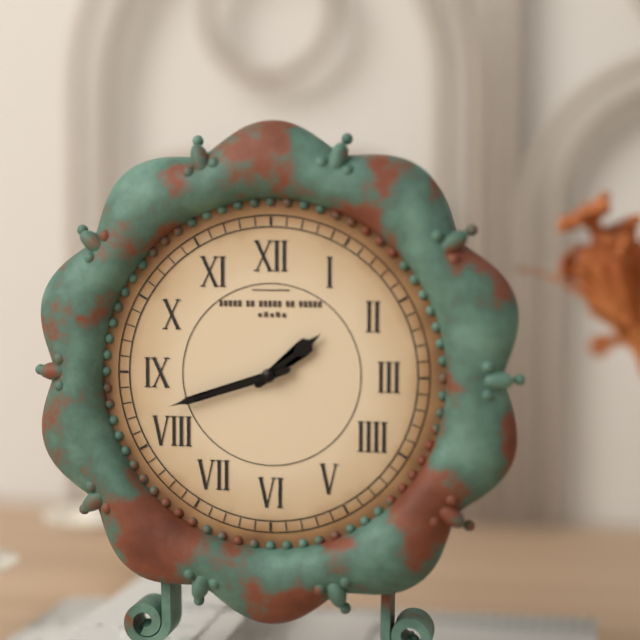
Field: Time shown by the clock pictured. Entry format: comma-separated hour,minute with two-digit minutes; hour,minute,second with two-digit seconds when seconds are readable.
1,42
